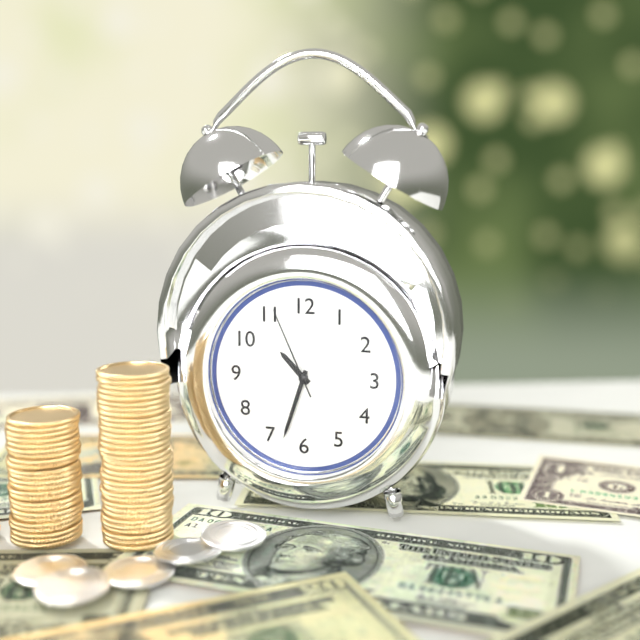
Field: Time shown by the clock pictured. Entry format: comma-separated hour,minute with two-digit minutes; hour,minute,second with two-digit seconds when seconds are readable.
10,33,56
